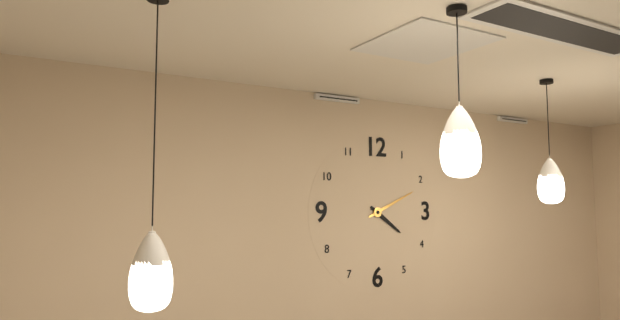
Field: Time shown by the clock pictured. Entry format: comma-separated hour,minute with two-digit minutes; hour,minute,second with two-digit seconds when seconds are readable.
4,11
